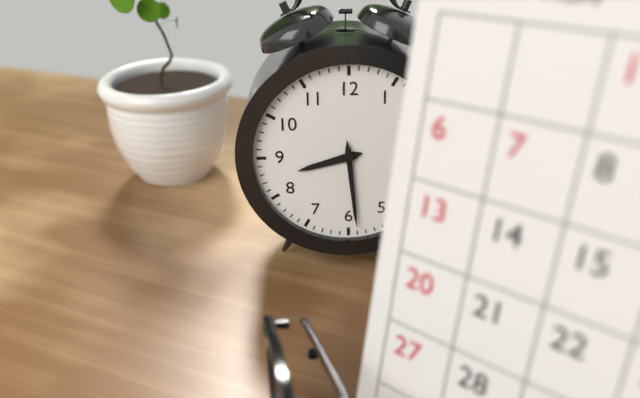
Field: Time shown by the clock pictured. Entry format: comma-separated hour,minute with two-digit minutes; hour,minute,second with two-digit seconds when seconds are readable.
8,29
